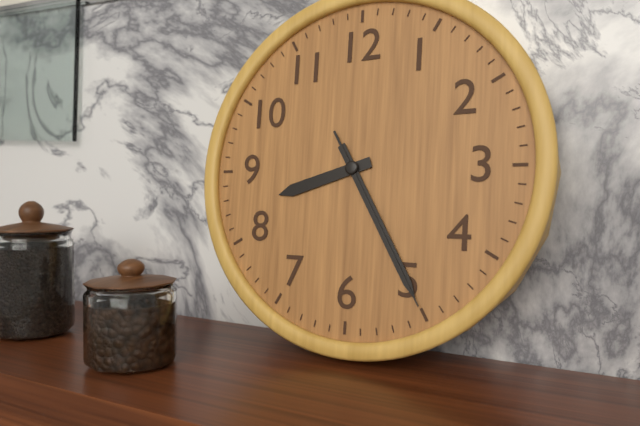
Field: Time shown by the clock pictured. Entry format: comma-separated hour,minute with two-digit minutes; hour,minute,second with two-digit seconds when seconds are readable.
8,25,25
